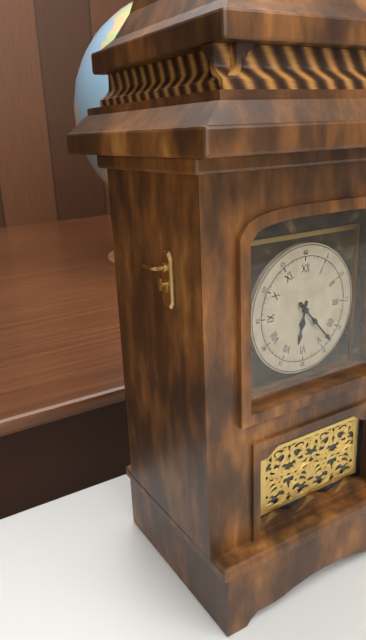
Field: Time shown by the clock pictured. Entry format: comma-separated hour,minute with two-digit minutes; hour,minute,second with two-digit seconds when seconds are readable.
6,23
